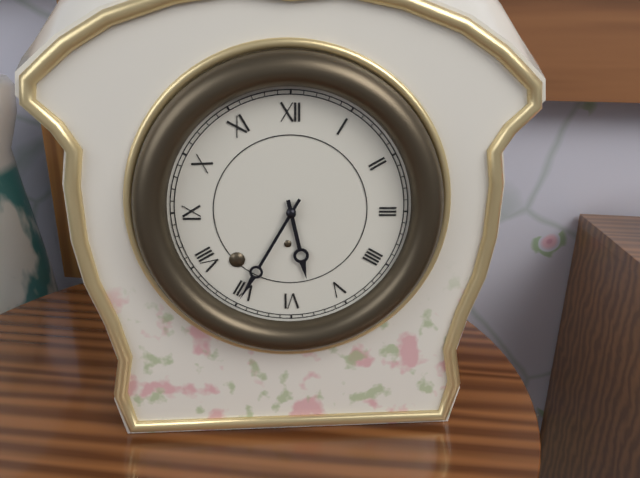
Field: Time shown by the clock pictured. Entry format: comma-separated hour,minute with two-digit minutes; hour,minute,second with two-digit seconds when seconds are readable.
5,35
